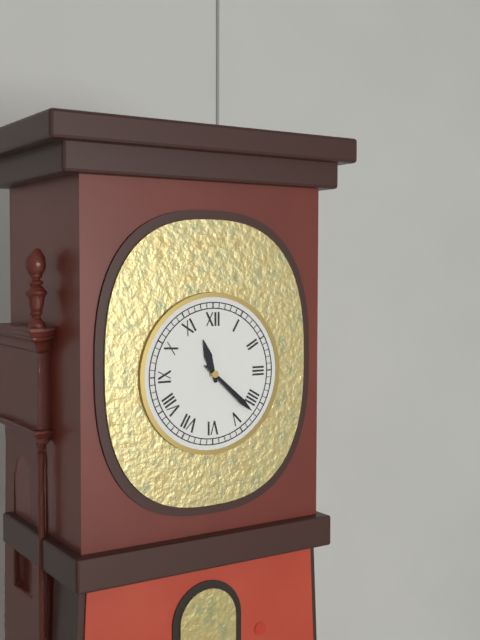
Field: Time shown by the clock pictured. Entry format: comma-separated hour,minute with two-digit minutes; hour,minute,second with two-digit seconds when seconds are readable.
11,22
